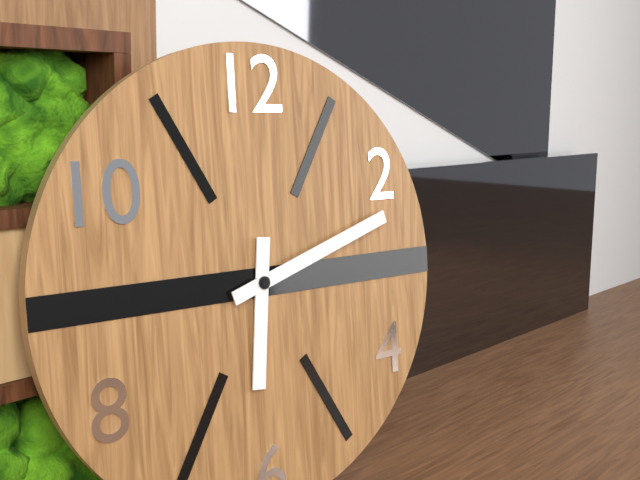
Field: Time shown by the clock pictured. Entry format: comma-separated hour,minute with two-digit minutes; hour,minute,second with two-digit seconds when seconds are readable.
6,12
